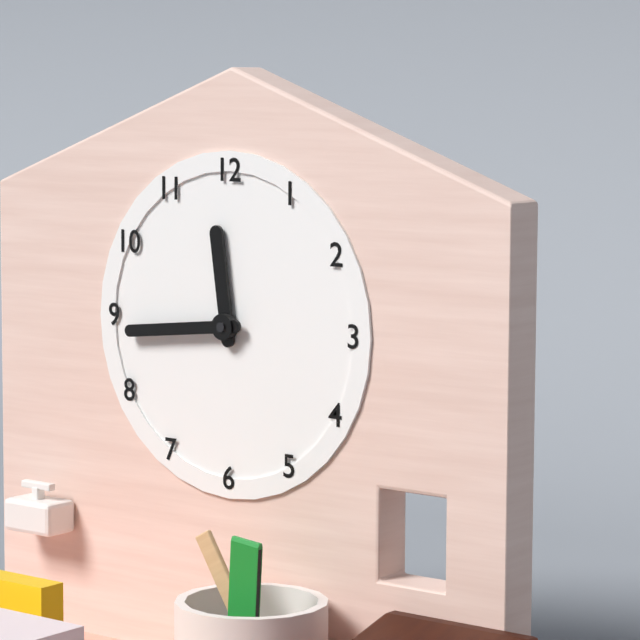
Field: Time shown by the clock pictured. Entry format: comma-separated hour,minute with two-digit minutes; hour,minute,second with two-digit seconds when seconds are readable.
11,44
